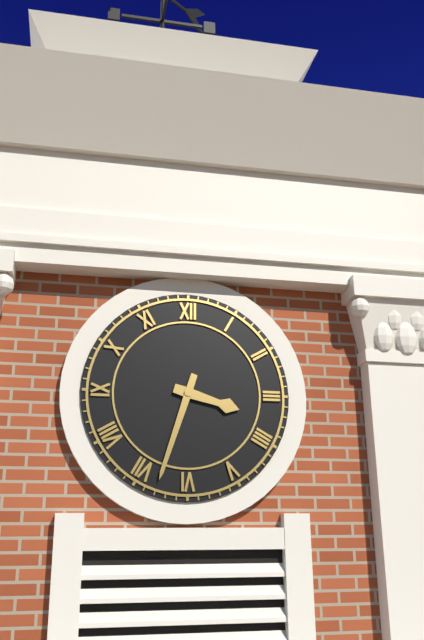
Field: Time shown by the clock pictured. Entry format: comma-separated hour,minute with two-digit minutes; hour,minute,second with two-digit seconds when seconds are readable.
3,33
